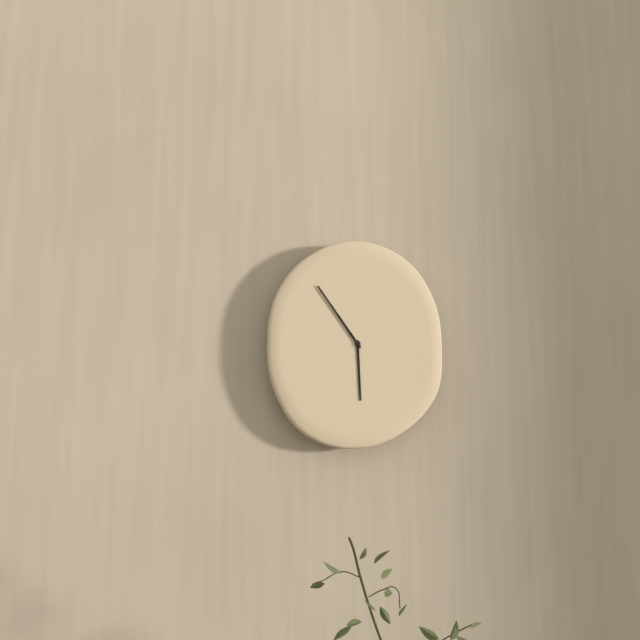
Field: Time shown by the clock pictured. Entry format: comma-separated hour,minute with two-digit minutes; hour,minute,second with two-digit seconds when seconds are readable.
5,54
